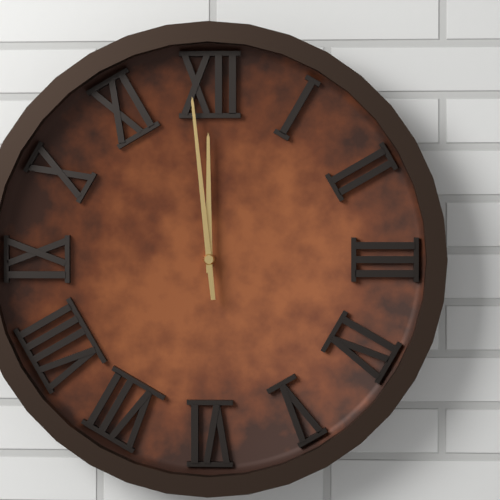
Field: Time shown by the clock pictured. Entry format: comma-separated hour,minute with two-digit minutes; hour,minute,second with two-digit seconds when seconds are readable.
11,59
